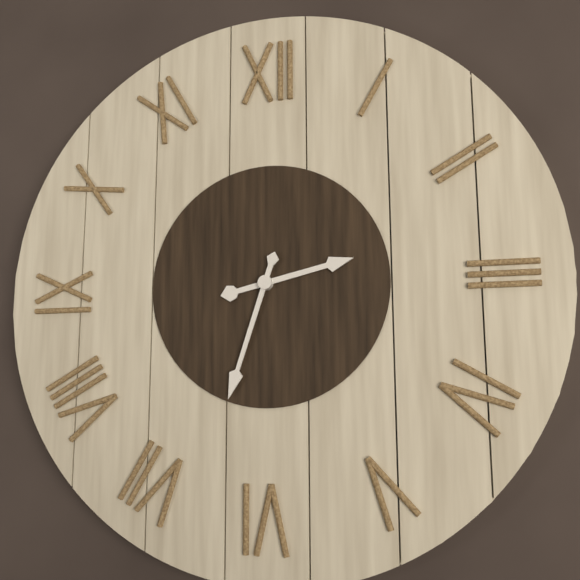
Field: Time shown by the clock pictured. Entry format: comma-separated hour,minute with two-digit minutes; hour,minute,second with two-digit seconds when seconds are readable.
2,33
